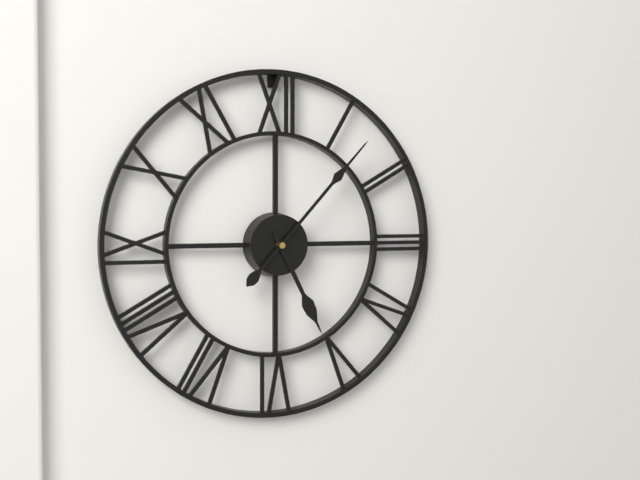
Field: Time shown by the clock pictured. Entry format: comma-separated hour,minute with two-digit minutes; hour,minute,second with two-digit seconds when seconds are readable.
5,07
